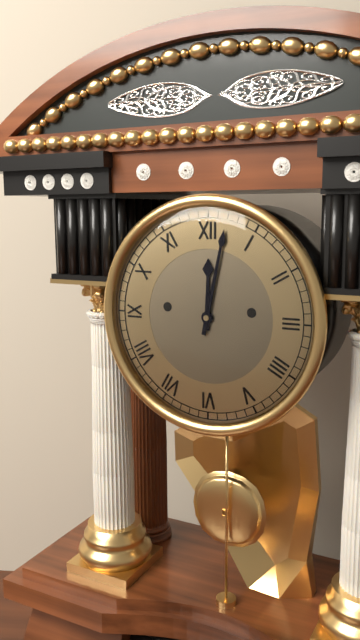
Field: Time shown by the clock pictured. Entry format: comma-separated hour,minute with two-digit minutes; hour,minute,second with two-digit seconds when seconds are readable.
12,02
